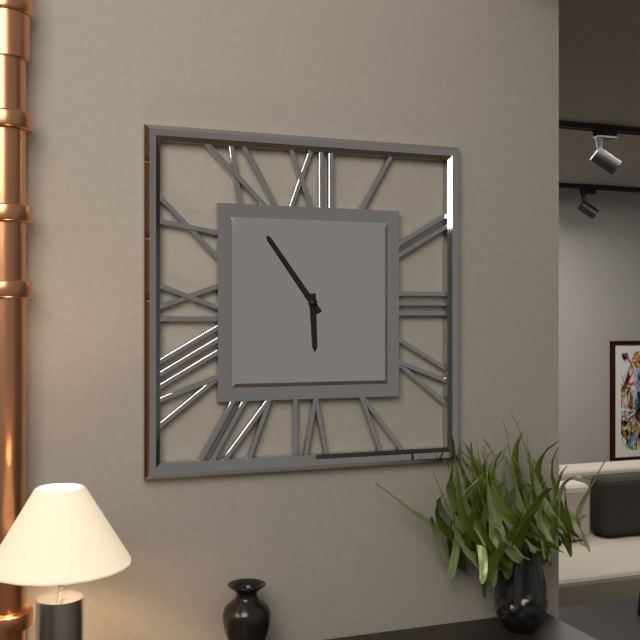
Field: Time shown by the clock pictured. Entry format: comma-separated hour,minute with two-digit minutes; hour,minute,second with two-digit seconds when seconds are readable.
5,54
